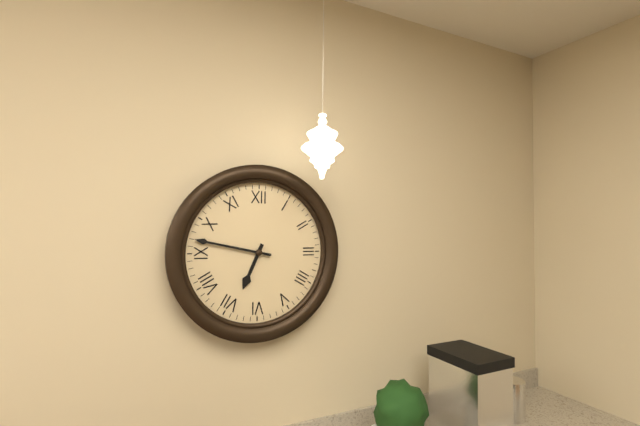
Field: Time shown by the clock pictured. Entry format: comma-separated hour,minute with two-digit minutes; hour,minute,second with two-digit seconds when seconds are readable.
6,47
